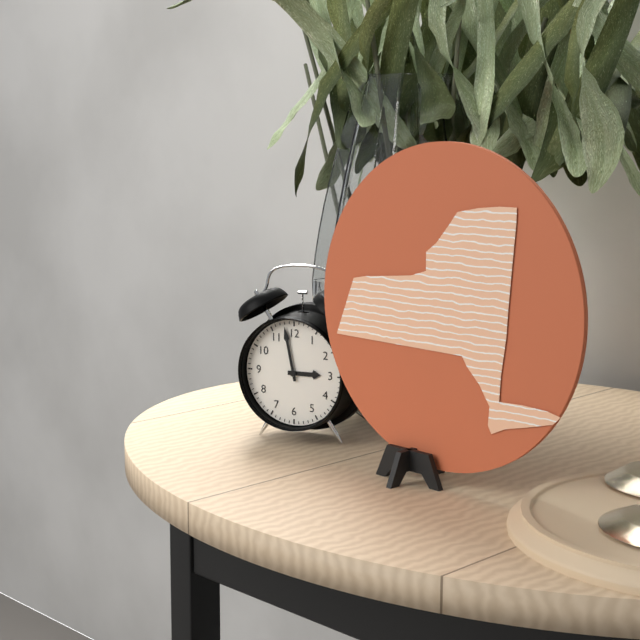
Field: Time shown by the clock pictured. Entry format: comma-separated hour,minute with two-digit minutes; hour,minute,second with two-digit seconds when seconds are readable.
2,58
